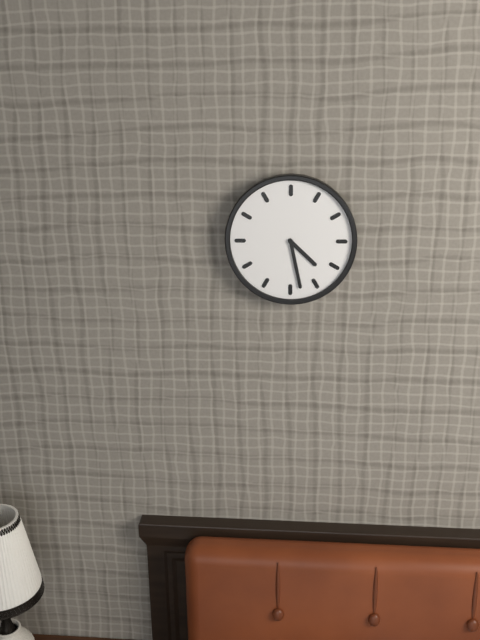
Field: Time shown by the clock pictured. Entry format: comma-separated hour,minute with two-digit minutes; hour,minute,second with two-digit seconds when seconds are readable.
4,28
